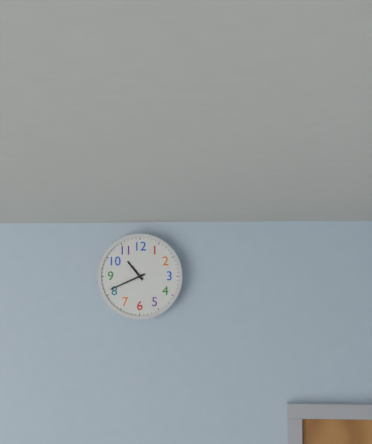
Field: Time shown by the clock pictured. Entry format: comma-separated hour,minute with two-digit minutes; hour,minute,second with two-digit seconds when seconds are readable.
10,41
